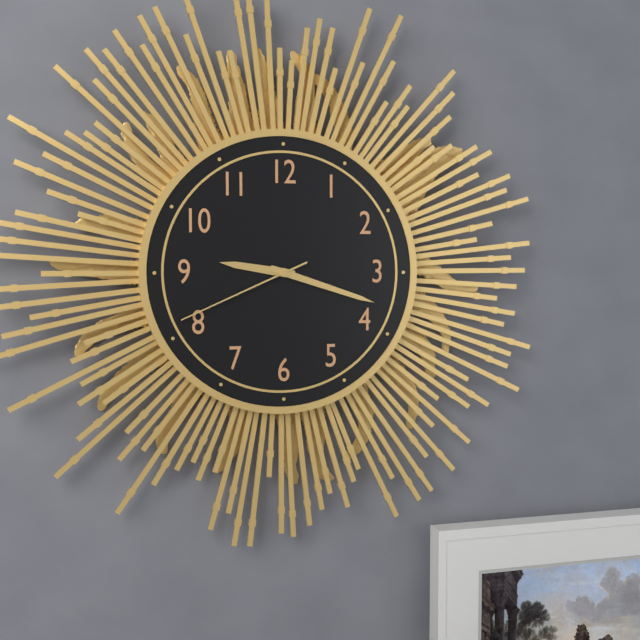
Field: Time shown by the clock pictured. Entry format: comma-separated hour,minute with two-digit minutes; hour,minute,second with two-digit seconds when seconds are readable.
9,18,41
